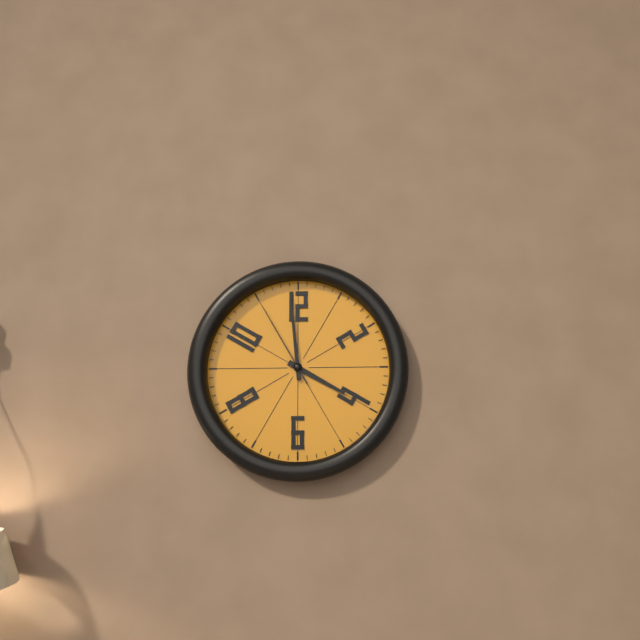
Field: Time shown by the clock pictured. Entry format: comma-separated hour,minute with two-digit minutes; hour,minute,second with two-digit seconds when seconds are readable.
3,59,55
